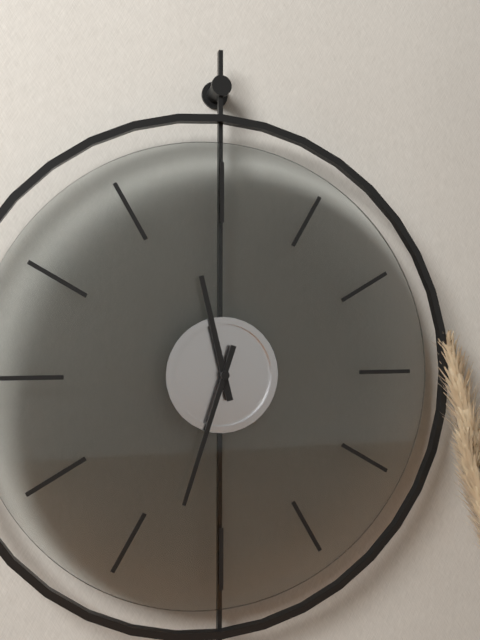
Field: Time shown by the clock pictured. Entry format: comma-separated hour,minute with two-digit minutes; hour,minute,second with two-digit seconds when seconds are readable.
11,33
